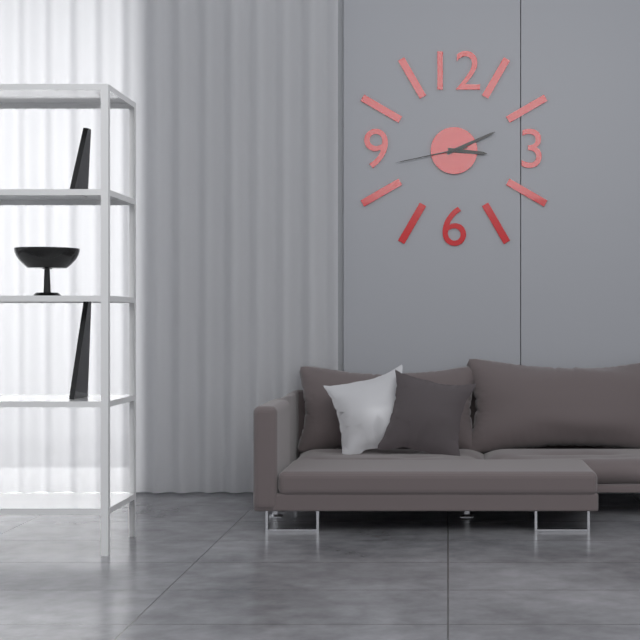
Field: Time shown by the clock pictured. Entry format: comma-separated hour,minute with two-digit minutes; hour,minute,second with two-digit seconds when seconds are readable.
3,11,43
